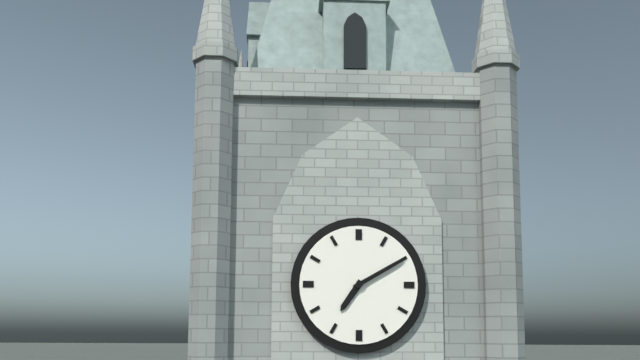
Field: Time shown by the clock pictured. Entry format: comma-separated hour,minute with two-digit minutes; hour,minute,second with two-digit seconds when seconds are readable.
7,10
